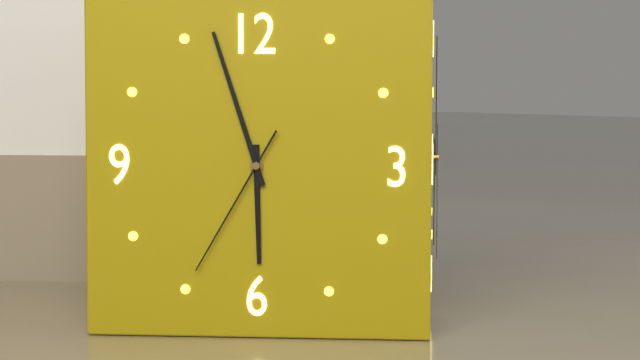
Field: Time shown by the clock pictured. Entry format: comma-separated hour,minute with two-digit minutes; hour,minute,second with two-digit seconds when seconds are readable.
5,57,35
